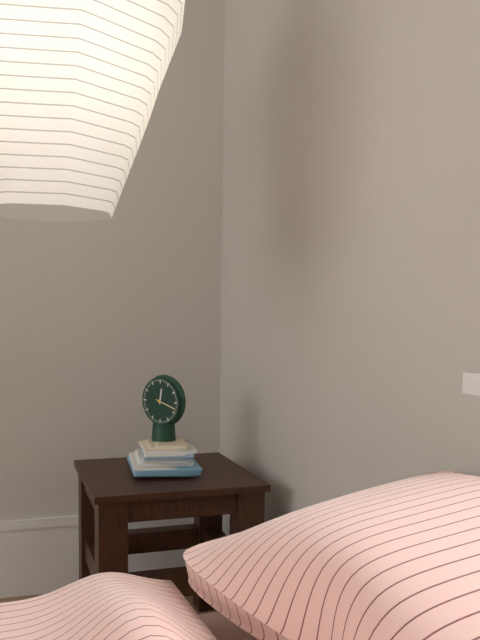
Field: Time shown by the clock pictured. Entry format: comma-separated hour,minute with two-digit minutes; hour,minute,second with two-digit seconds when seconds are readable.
12,18
